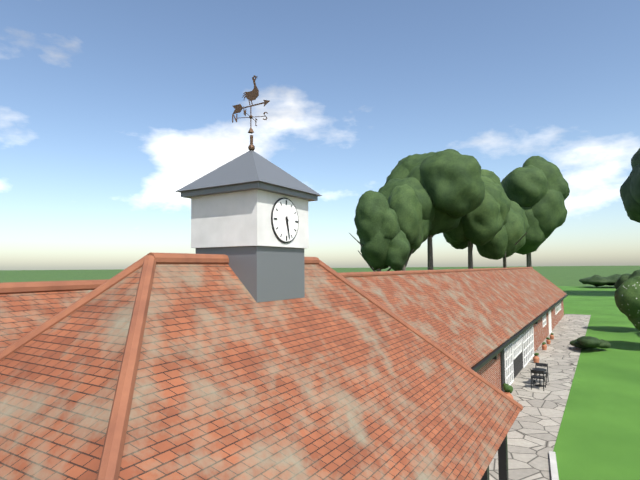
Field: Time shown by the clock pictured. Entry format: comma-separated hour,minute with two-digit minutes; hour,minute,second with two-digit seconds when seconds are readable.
5,28
